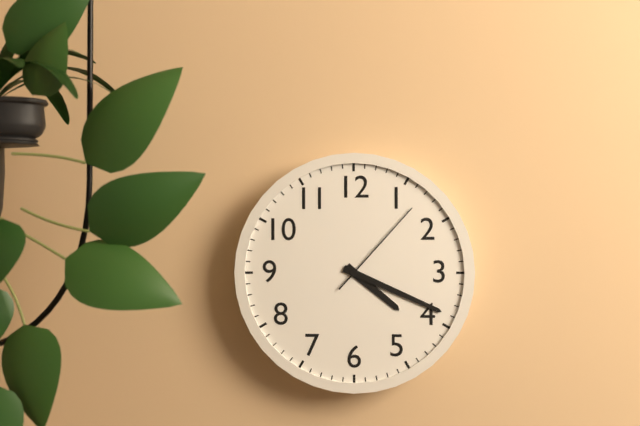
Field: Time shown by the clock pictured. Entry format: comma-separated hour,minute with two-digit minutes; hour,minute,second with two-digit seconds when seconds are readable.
4,19,07
